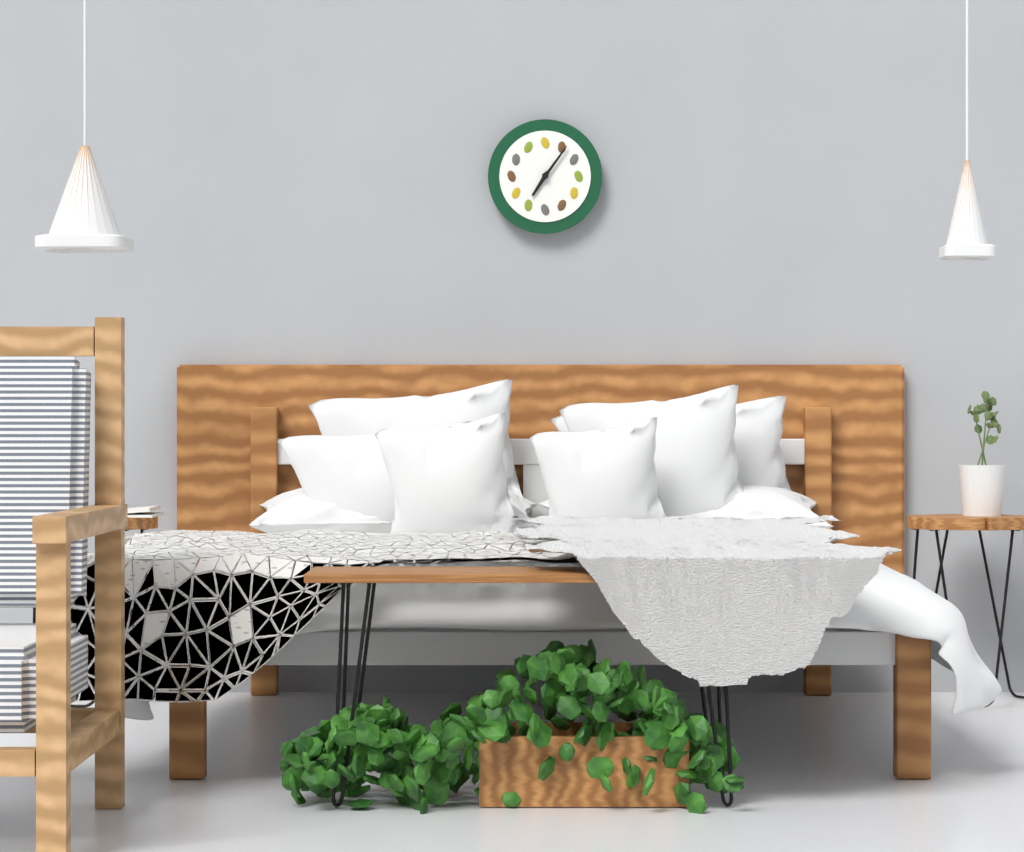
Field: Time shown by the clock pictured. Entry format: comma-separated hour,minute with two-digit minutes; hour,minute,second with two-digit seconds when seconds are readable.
7,06
